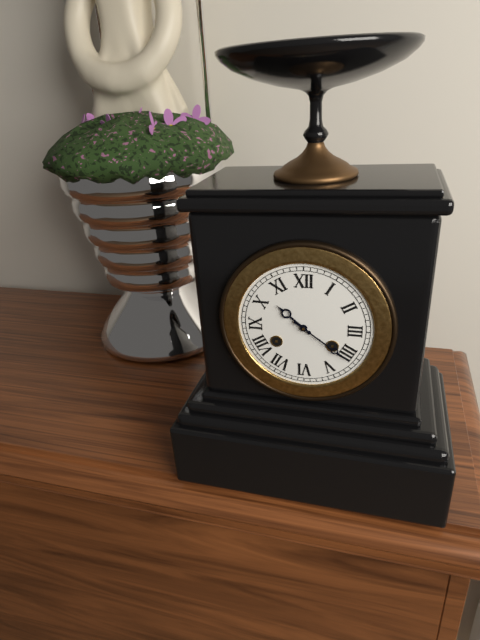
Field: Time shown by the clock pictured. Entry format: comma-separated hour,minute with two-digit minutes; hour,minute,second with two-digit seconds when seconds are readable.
10,21
